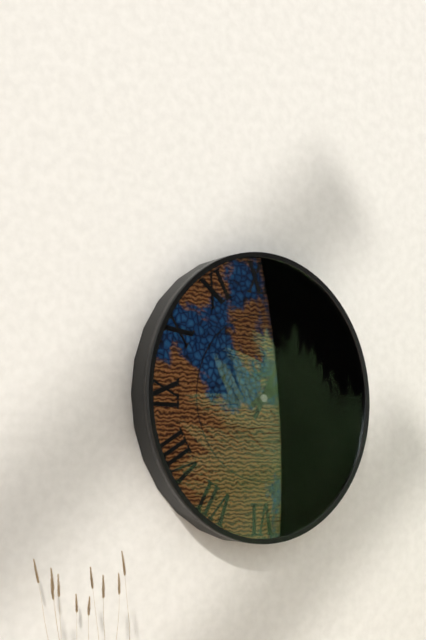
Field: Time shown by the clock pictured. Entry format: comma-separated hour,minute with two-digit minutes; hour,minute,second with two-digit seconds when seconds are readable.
2,05
